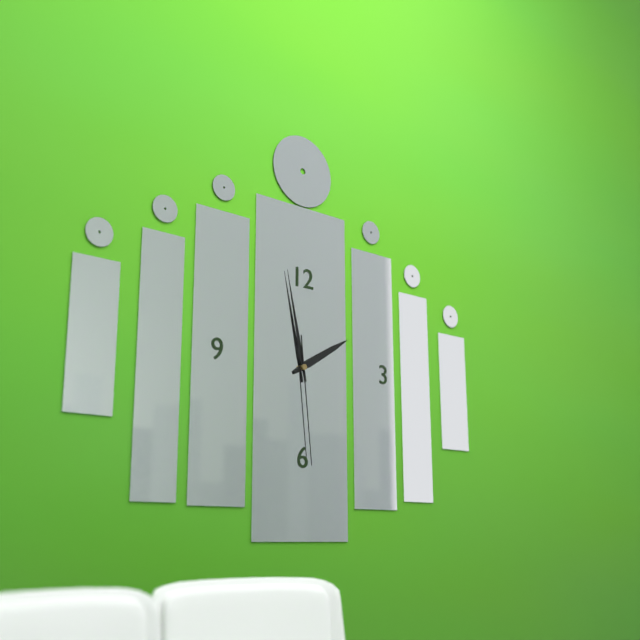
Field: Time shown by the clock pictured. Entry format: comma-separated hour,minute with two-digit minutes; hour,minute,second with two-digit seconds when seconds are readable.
1,58,29
